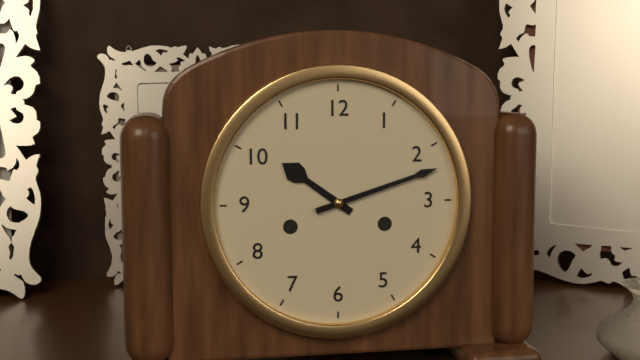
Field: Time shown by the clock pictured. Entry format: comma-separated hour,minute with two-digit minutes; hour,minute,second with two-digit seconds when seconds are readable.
10,12
